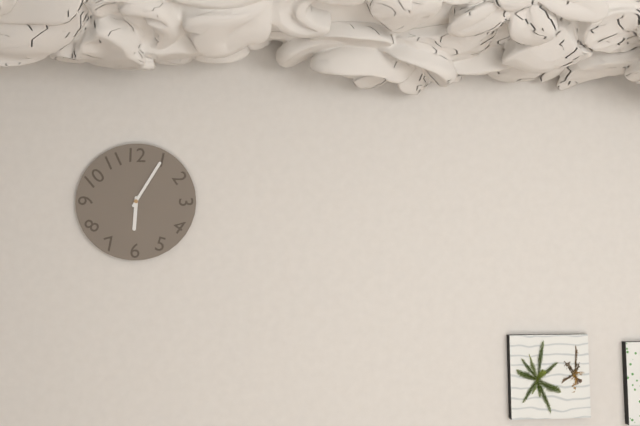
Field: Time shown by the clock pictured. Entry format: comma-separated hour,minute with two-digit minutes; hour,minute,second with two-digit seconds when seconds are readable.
6,05
